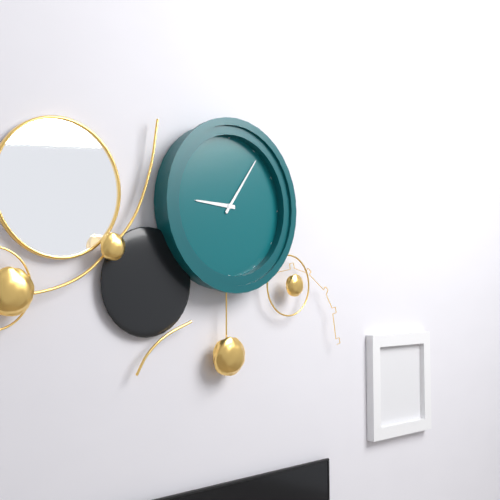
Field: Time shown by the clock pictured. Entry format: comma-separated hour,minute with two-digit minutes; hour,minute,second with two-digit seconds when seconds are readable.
9,06
